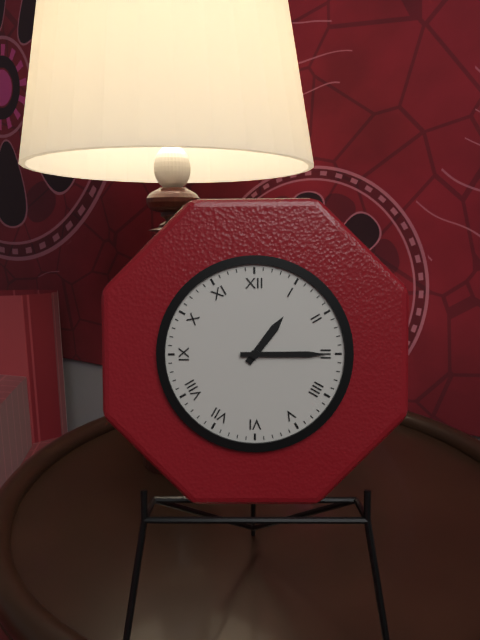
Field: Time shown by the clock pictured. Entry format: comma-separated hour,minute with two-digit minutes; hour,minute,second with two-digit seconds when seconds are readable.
1,15
